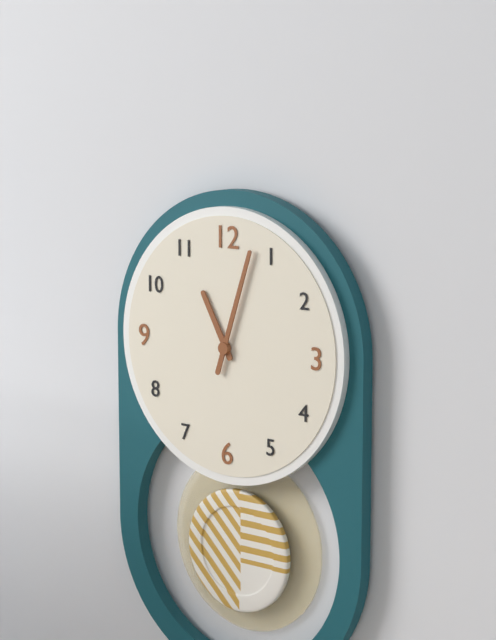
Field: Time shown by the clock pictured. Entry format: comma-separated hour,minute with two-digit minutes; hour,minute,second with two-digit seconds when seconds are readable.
11,03
